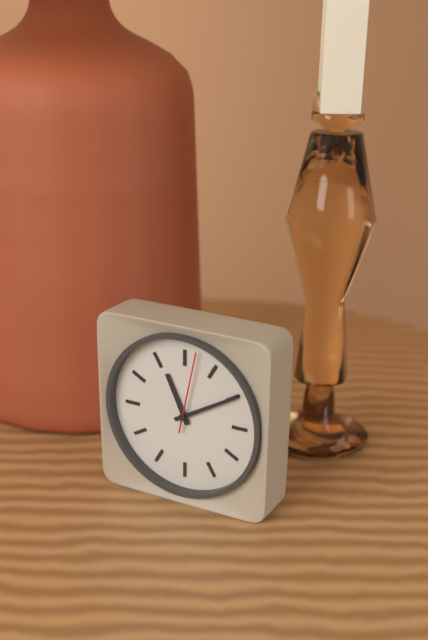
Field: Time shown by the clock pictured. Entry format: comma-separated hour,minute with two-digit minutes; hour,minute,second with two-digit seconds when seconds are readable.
11,10,02
